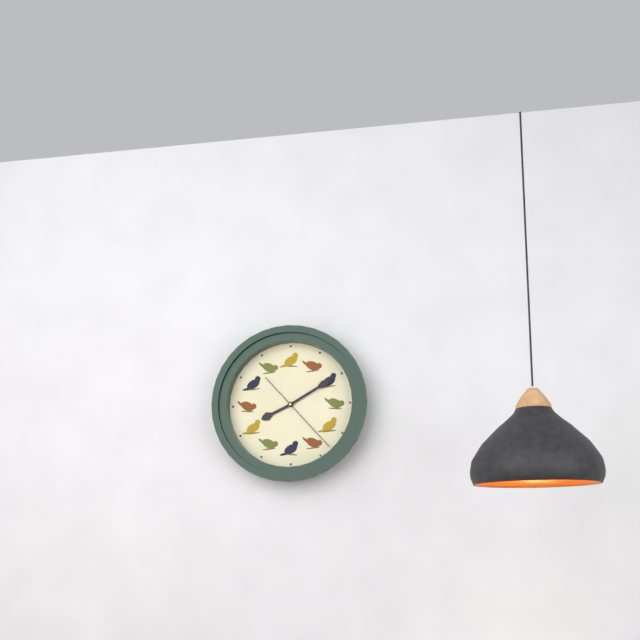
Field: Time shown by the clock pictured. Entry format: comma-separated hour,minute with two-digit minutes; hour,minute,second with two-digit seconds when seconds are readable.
8,10,23
